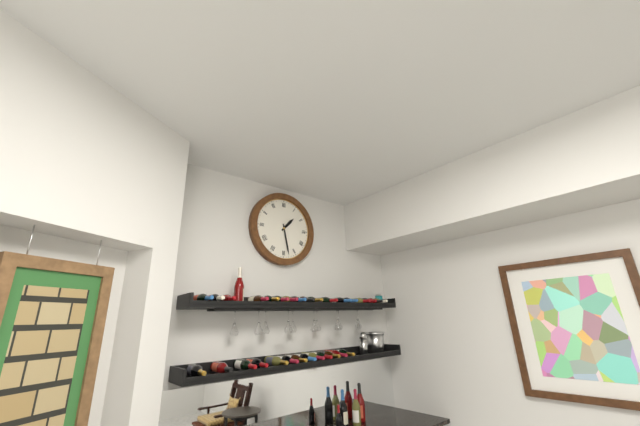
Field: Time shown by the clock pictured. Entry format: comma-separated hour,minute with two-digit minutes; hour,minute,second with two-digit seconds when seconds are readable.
1,28
